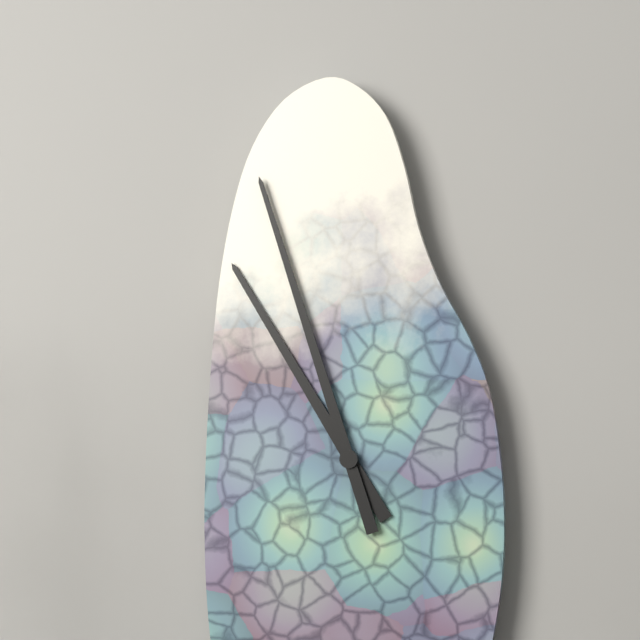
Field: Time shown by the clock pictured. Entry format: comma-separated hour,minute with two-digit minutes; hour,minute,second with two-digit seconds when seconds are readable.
10,57
